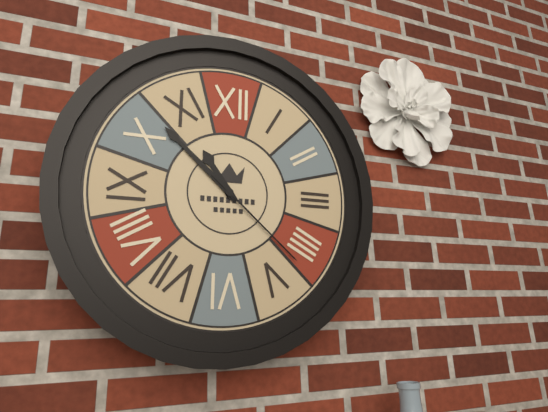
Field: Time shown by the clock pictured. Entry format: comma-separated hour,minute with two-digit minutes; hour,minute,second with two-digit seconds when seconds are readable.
10,52,22
